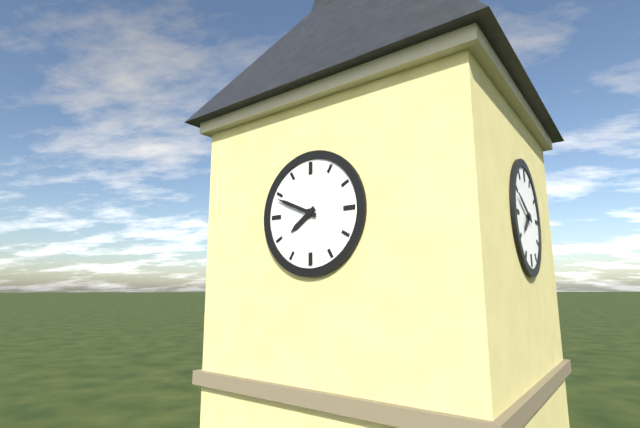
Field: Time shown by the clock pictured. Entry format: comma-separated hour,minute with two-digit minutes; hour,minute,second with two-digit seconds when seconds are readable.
7,49
